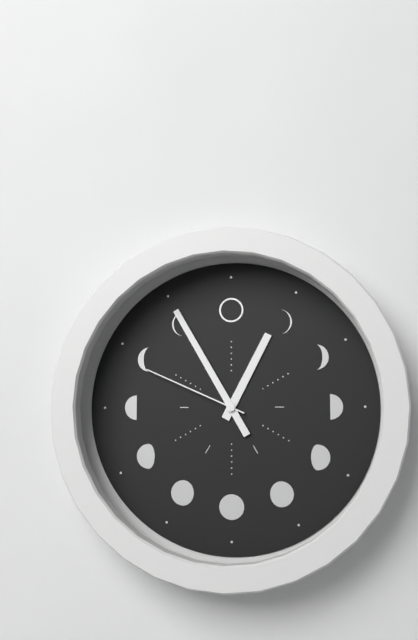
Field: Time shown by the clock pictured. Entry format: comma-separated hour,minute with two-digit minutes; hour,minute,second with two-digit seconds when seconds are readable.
12,55,49
